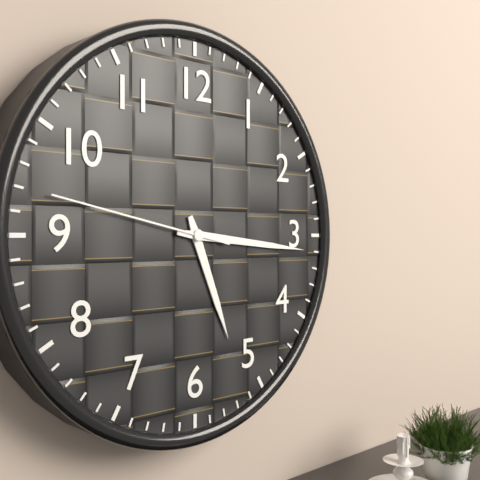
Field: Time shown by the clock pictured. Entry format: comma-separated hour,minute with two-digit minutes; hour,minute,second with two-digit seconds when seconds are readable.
5,16,47
